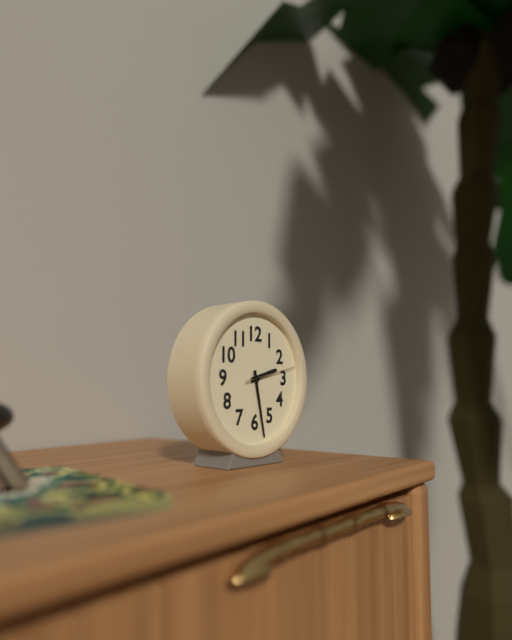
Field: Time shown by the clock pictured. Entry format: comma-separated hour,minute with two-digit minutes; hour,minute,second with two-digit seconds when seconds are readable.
2,28,13
